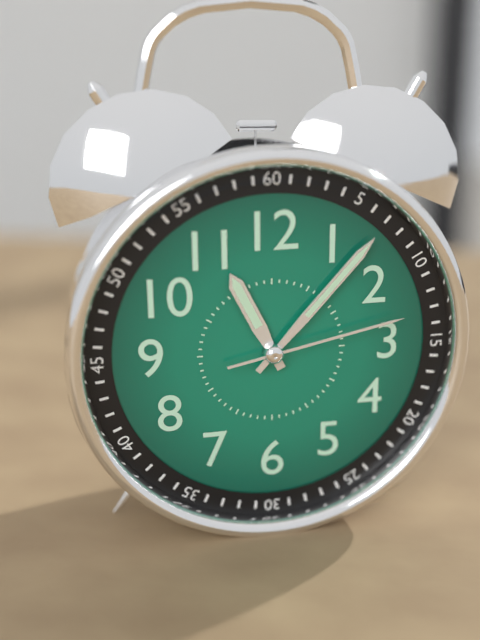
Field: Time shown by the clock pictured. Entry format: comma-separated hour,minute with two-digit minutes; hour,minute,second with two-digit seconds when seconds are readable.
11,07,13
